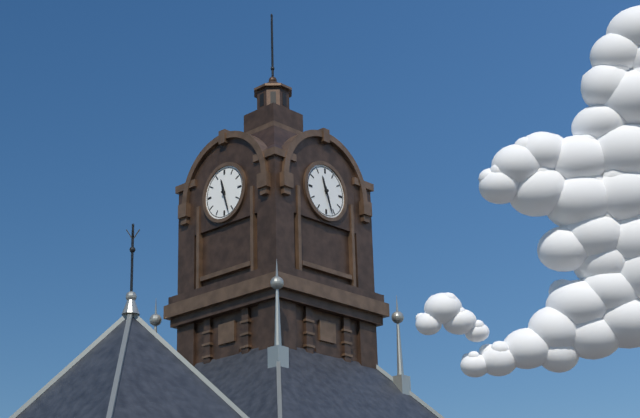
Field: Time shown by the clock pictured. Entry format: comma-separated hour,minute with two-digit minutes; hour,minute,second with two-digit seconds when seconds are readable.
11,27
